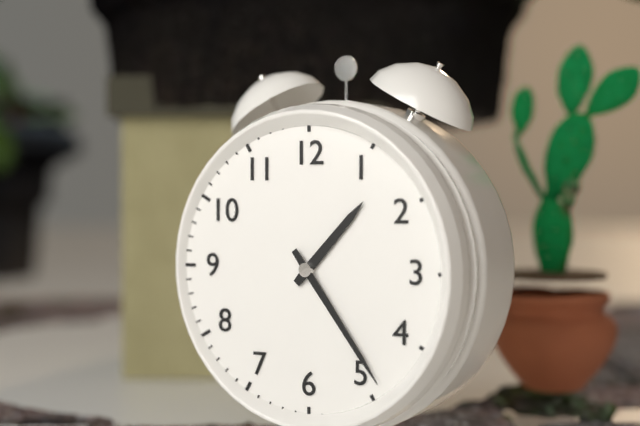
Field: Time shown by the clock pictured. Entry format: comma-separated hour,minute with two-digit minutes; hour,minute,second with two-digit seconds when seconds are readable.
1,24
